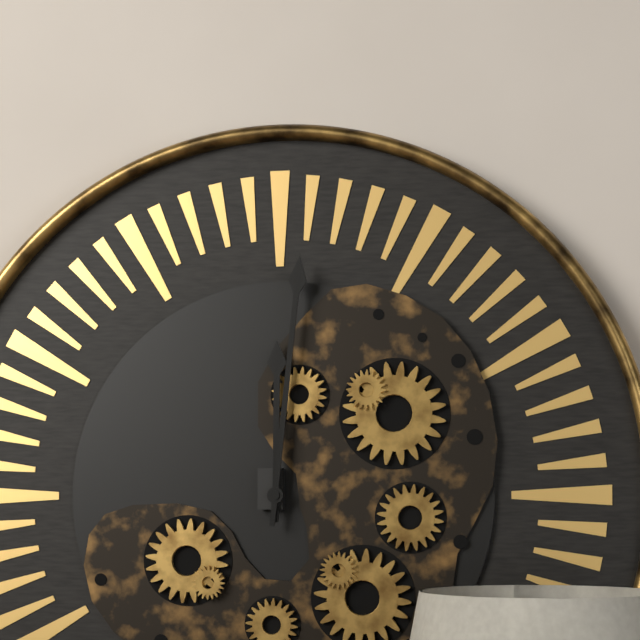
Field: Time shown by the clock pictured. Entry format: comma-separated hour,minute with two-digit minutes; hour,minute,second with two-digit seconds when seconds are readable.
12,01
